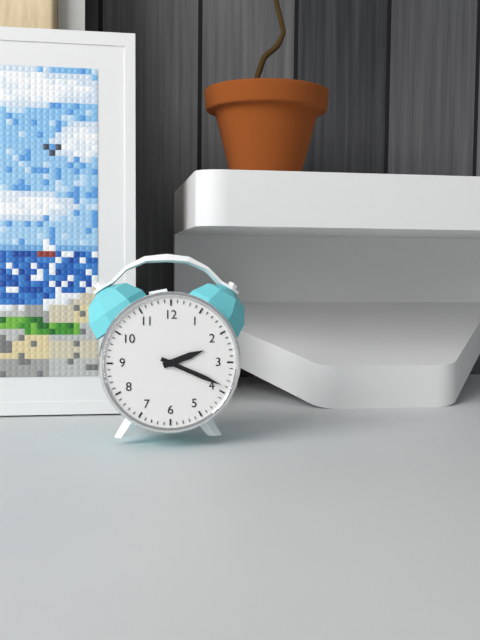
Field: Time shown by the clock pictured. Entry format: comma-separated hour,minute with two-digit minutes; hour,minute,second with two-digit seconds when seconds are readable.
2,19
